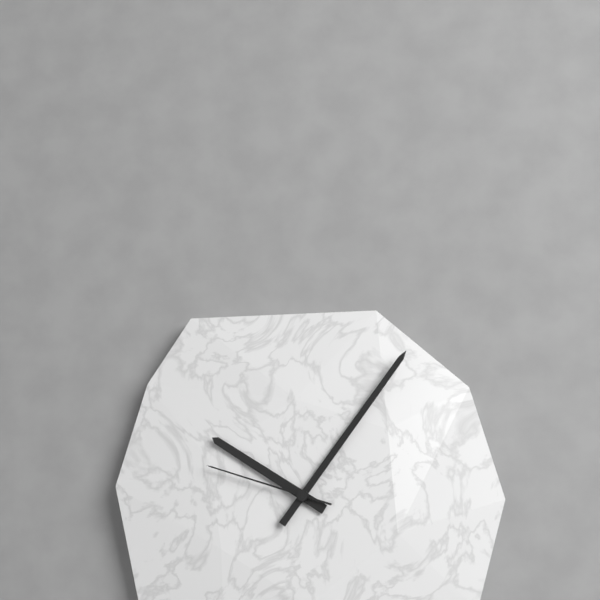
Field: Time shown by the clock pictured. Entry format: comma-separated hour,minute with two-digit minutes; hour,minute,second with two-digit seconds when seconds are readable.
10,06,48
